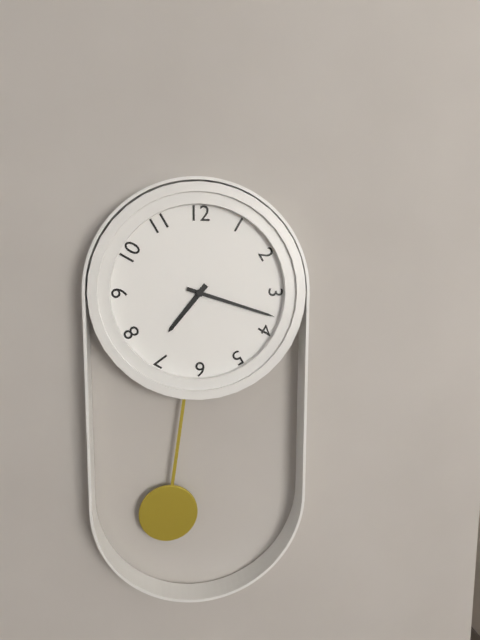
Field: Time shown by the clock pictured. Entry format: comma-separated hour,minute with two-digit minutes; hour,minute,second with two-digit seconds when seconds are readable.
7,18
